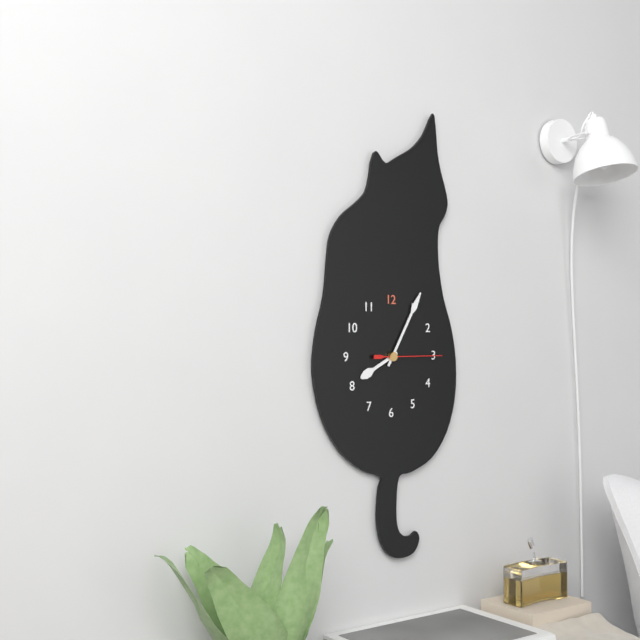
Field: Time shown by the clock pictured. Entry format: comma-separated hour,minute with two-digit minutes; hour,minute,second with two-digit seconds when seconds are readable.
8,05,15
